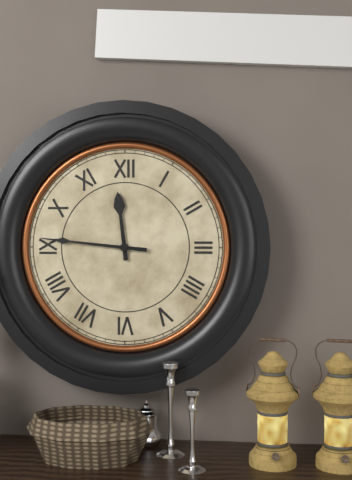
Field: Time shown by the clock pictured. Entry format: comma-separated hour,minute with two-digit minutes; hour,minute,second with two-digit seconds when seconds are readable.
11,46
